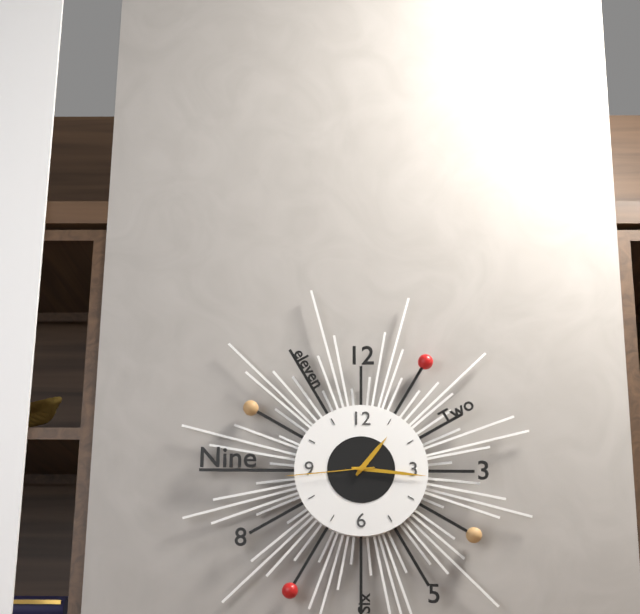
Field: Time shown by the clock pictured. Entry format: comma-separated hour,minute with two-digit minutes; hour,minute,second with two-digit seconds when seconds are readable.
1,16,44
